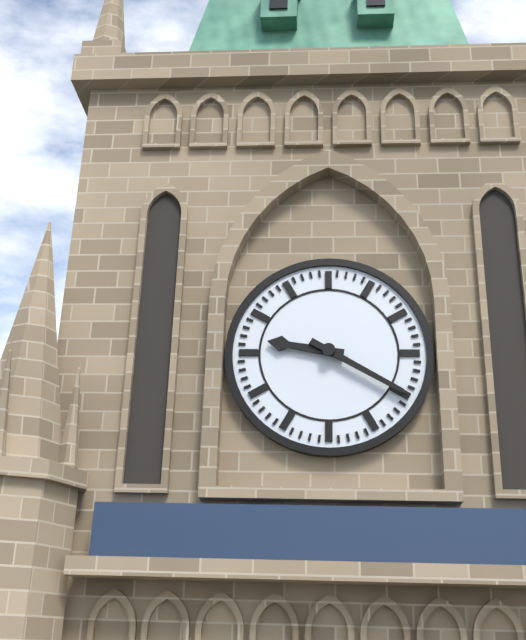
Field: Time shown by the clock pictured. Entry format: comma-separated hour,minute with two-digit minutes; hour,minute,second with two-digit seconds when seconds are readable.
9,20
